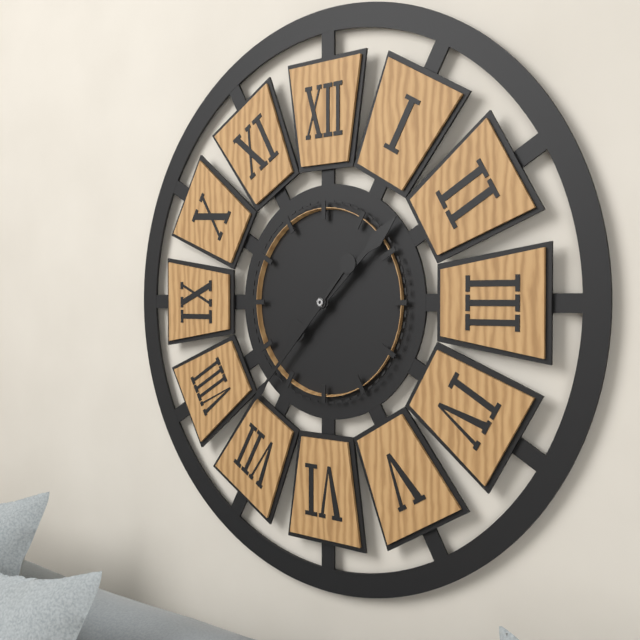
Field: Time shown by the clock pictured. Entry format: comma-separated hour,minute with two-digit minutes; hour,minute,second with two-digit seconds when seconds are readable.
1,37
